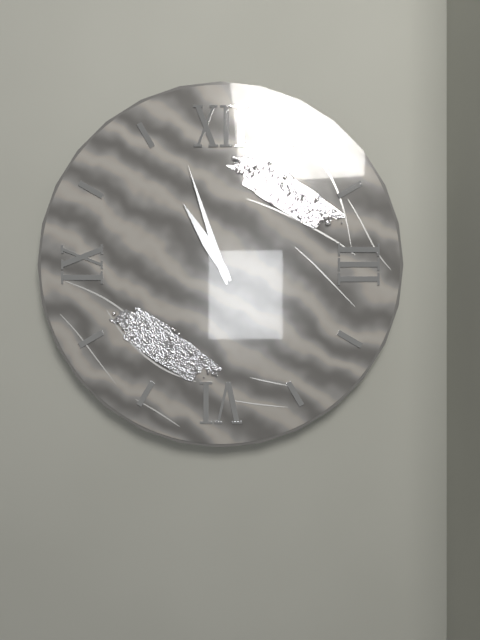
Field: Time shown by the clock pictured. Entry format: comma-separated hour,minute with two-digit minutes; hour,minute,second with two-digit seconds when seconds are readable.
10,57
